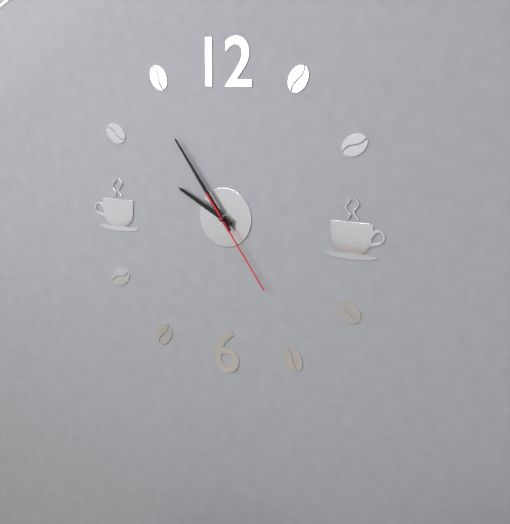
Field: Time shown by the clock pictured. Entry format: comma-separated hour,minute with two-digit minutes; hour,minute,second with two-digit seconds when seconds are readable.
9,54,24
